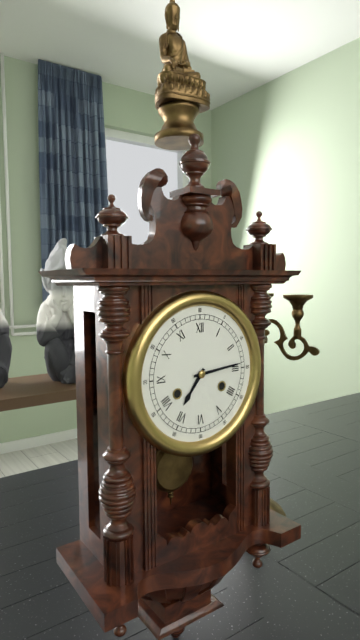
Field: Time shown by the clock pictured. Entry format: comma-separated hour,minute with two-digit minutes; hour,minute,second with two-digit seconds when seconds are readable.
7,14
